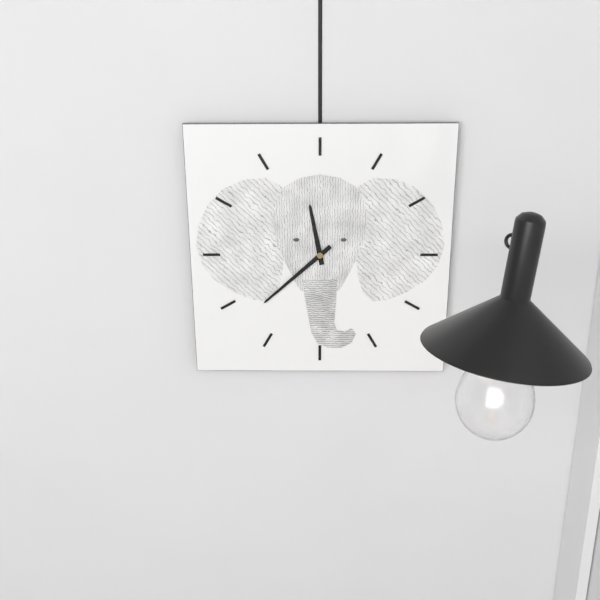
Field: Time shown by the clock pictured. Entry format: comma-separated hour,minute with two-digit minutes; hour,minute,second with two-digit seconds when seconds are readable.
11,38
